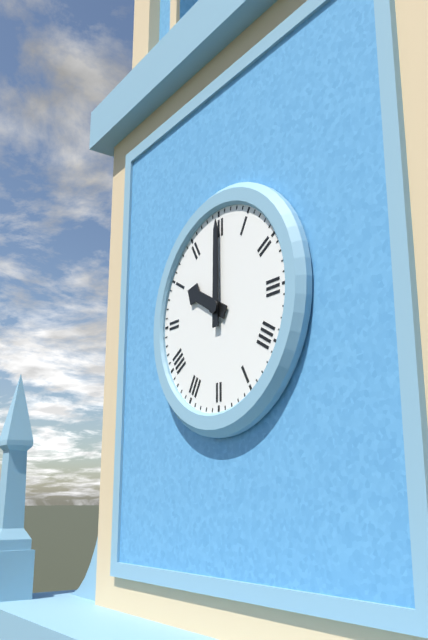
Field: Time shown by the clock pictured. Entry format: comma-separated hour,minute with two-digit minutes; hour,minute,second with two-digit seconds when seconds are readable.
10,00
